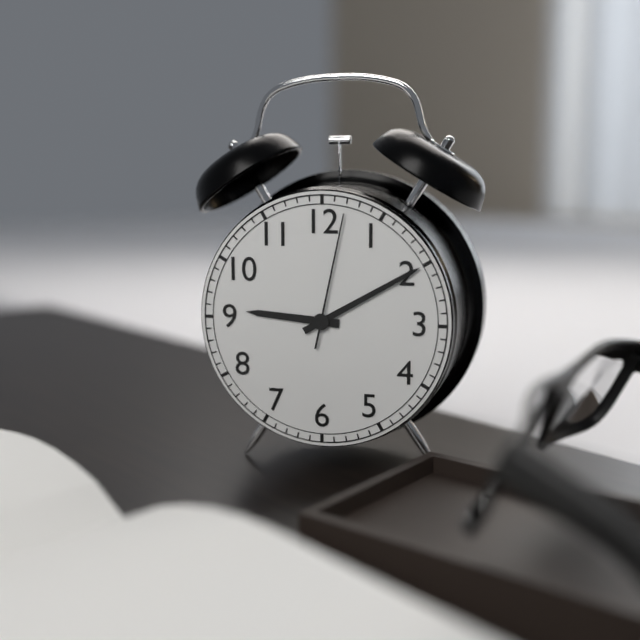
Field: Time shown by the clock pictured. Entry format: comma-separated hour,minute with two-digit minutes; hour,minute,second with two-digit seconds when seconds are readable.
9,10,02
